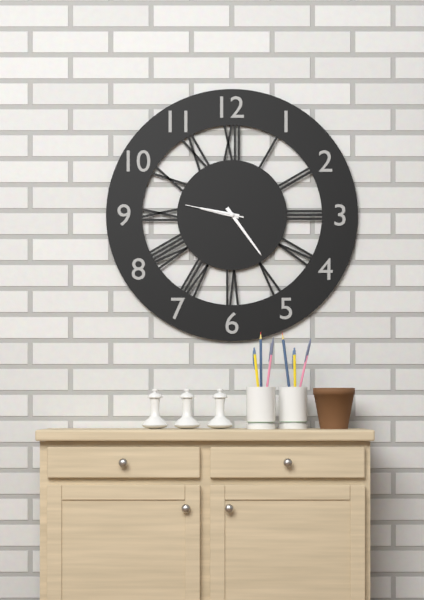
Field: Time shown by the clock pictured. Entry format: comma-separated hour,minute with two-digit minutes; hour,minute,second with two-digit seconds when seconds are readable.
9,24,47
